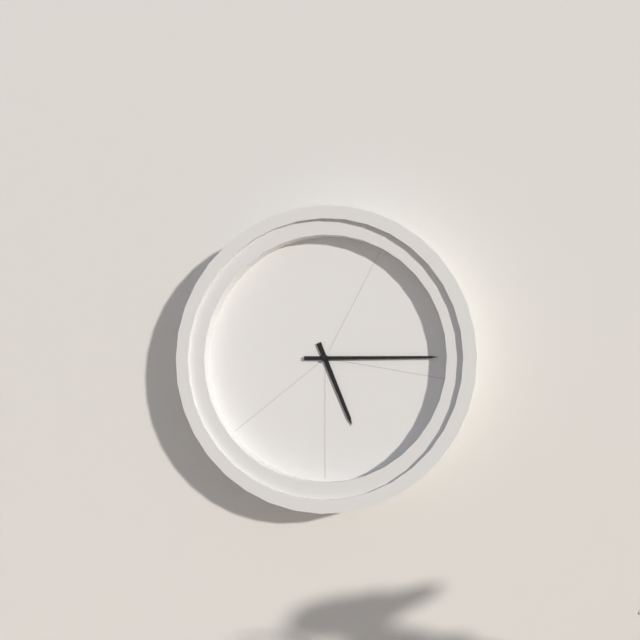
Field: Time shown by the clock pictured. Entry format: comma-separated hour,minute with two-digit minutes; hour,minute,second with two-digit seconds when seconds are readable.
5,15
